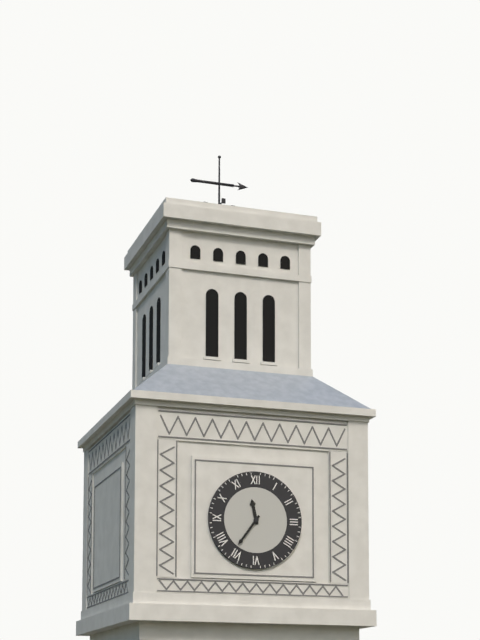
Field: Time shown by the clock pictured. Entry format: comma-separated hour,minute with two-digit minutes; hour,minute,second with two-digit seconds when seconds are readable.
11,36
